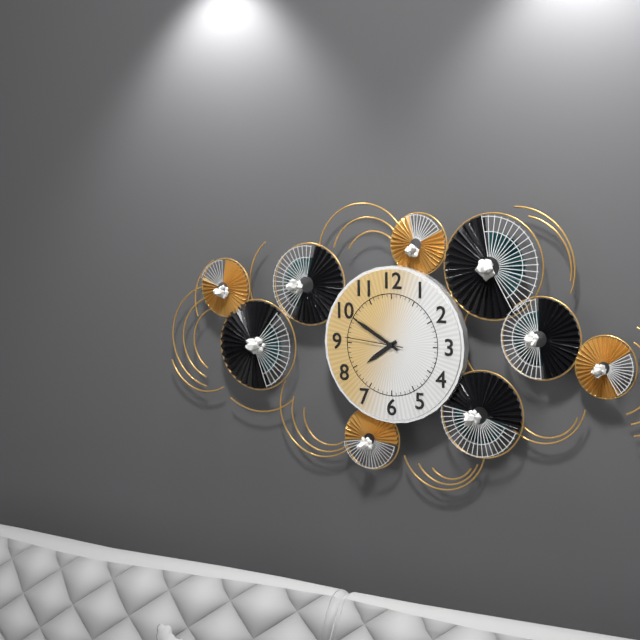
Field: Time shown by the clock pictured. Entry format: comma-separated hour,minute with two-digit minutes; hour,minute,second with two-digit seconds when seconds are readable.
7,50,46
